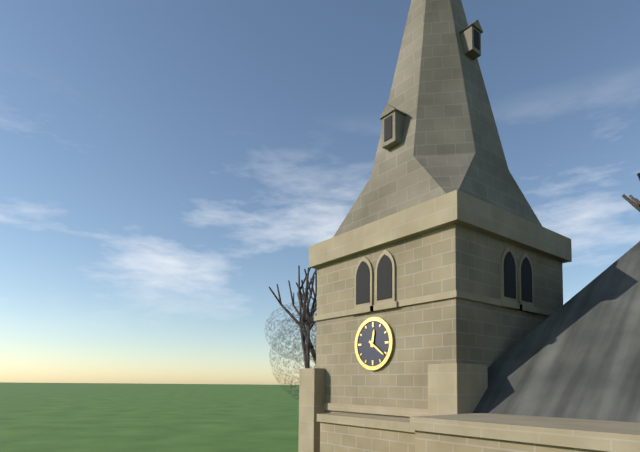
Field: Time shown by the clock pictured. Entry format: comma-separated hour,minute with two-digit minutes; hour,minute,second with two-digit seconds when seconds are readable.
12,21
